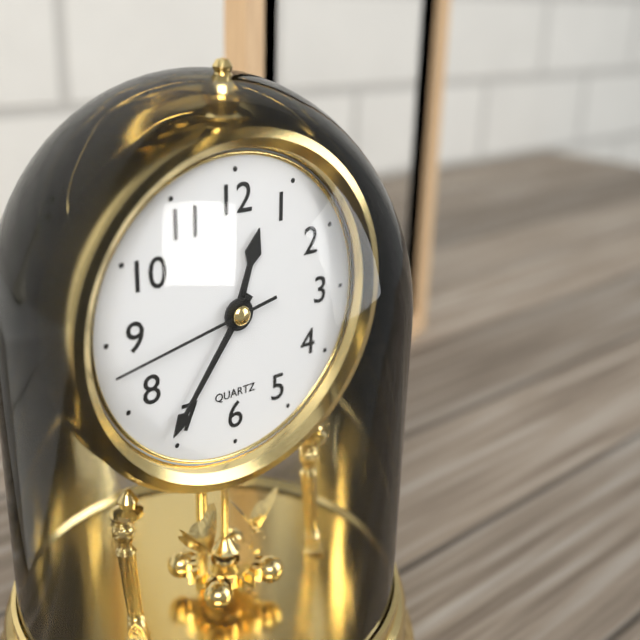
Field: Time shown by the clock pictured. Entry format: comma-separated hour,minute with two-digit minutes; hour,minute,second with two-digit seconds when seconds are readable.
12,36,43
